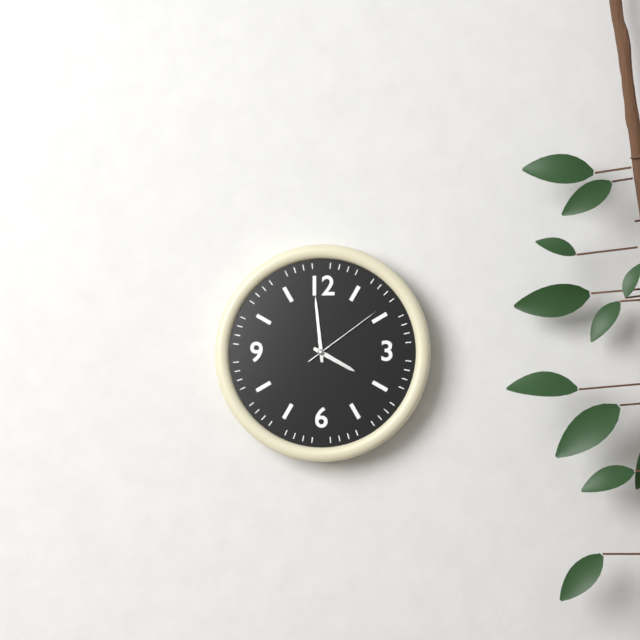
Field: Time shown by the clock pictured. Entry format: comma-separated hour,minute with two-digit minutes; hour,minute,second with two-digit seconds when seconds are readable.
3,59,09
